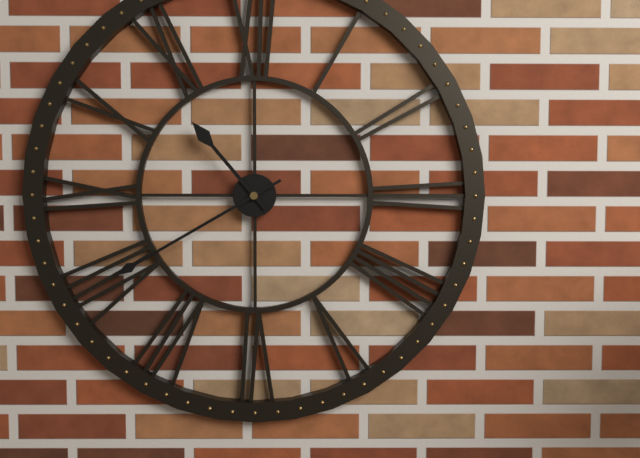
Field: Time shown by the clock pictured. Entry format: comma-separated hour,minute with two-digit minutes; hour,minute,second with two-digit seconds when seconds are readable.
10,40
